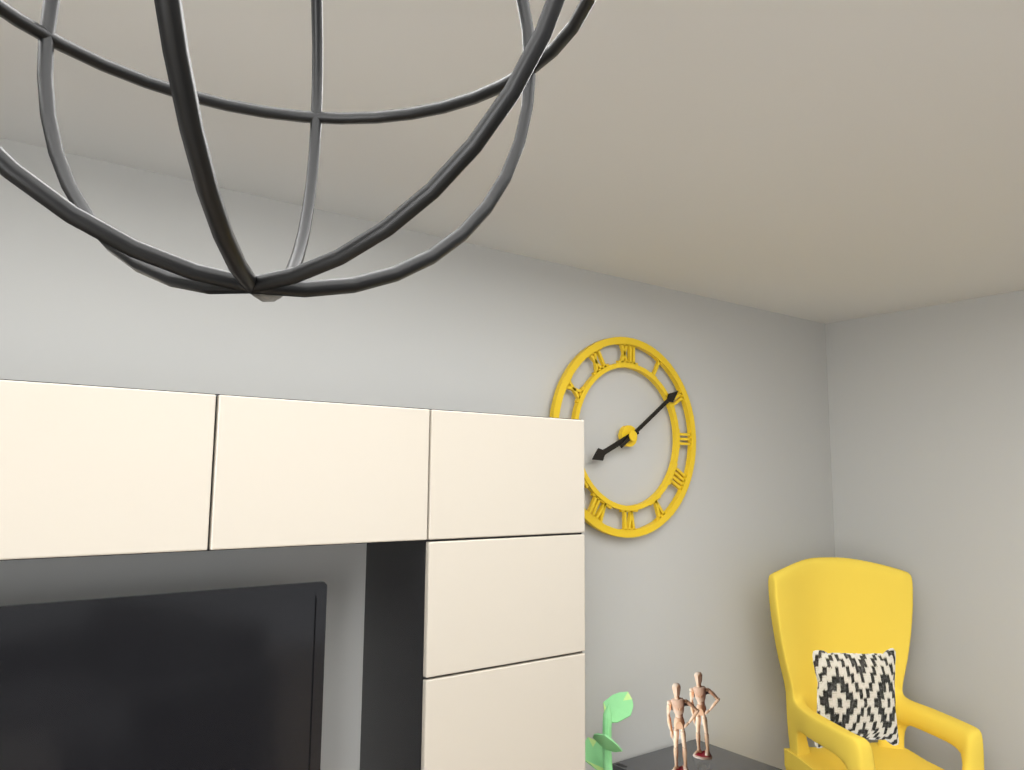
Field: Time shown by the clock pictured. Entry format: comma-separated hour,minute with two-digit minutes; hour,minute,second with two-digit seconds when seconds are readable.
8,09
